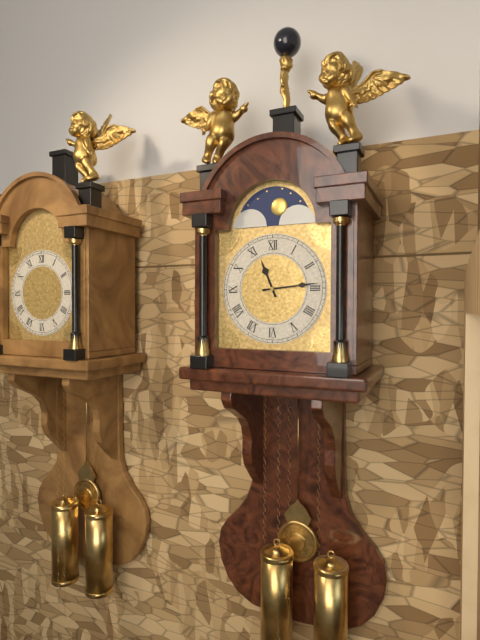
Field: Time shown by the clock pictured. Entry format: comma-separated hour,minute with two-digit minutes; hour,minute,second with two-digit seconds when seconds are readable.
11,14
